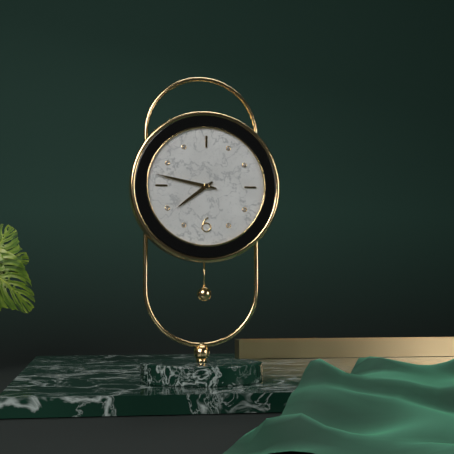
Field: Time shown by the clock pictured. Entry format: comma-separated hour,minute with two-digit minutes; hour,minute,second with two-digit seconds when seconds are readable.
7,47
